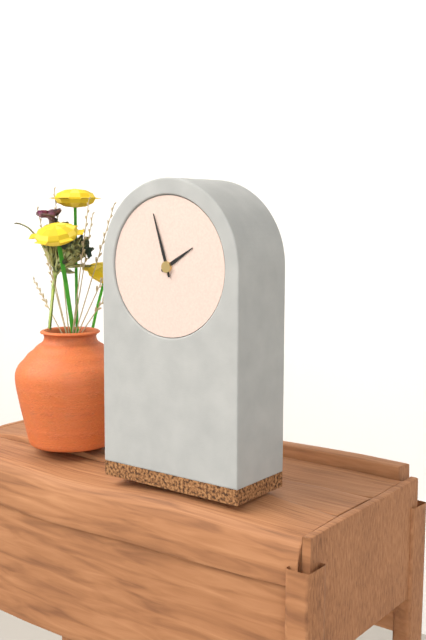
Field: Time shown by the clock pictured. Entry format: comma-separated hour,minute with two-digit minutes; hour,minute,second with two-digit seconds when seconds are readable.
1,57
